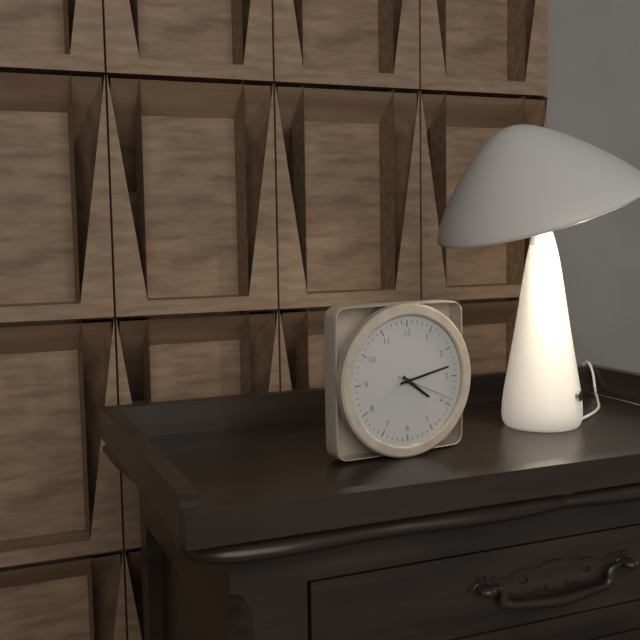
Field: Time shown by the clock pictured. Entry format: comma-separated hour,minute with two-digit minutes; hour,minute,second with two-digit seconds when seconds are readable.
4,13,19
